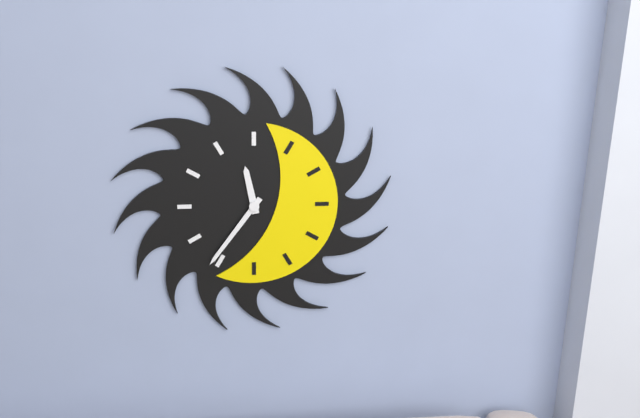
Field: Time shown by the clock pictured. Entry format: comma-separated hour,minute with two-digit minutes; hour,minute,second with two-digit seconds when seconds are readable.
11,36
